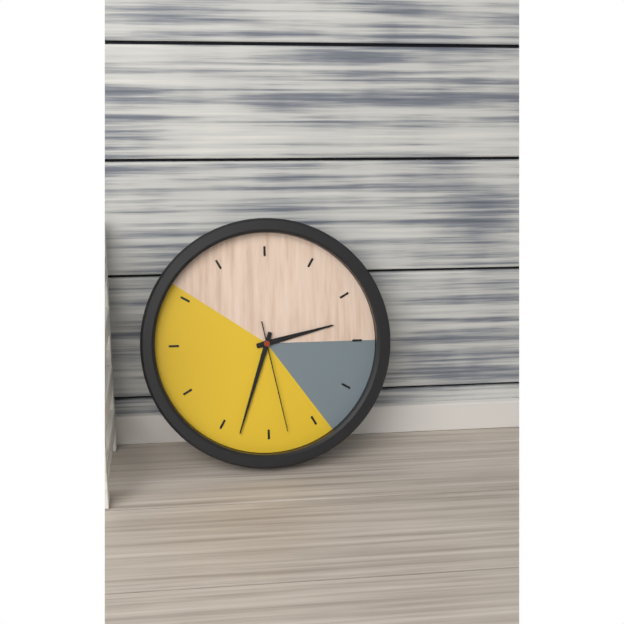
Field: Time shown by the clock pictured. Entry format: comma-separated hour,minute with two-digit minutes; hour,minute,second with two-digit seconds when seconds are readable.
2,33,28
